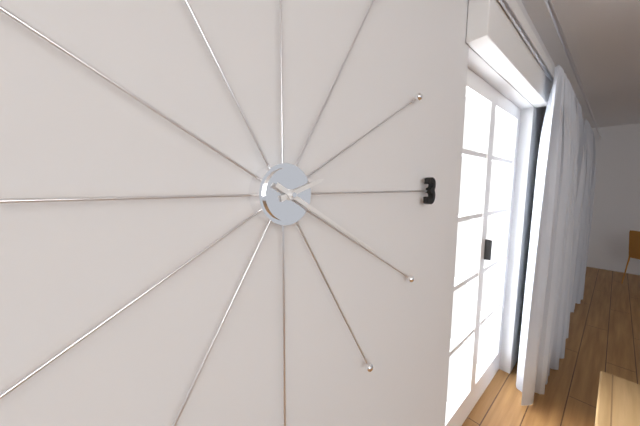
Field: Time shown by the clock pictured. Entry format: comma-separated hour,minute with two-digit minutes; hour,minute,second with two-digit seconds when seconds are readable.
2,20
